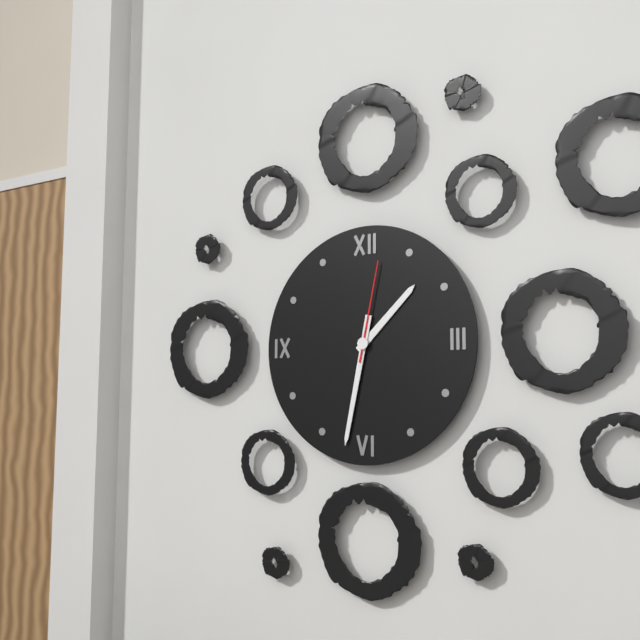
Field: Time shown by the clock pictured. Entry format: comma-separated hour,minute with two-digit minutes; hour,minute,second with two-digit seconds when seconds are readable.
1,32,02
